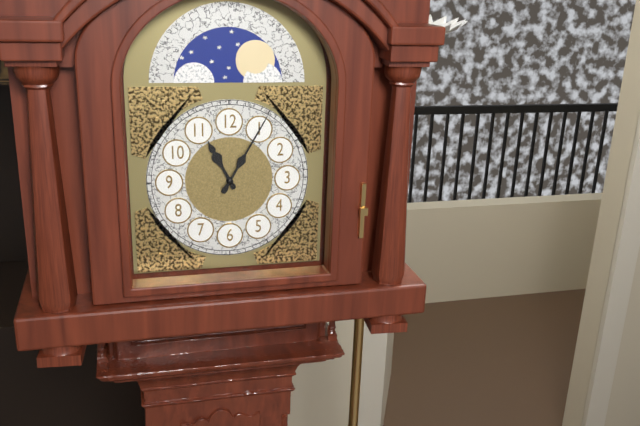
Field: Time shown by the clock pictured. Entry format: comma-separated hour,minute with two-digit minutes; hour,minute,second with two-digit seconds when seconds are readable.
11,05
